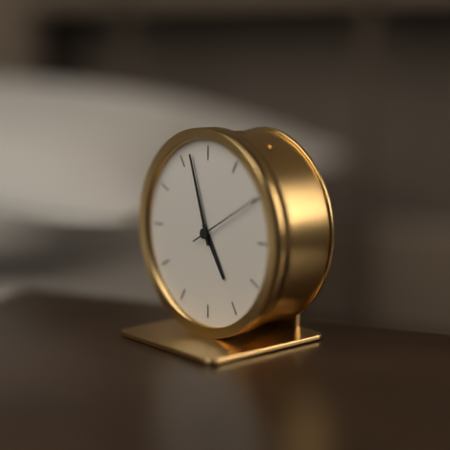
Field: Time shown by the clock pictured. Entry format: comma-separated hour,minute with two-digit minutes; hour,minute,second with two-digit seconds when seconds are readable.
4,57,10
